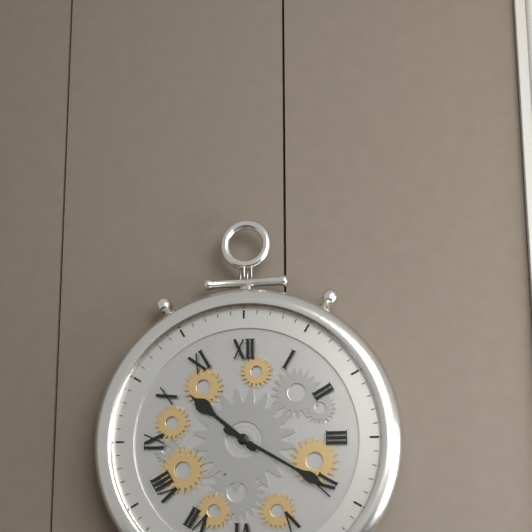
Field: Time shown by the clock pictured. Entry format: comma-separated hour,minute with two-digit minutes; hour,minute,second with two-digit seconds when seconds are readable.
10,20
